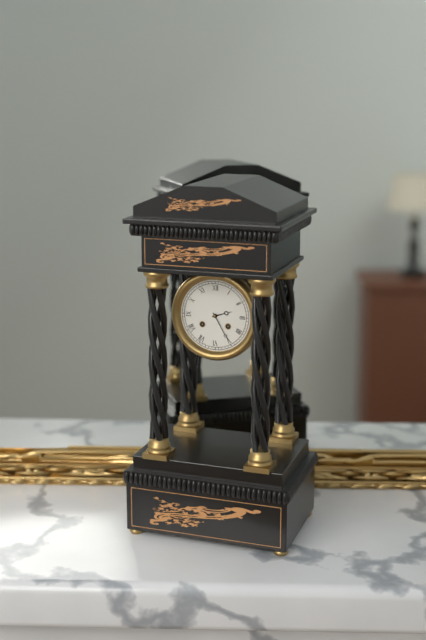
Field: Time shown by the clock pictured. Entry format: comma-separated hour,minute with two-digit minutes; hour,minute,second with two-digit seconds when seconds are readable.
2,25
